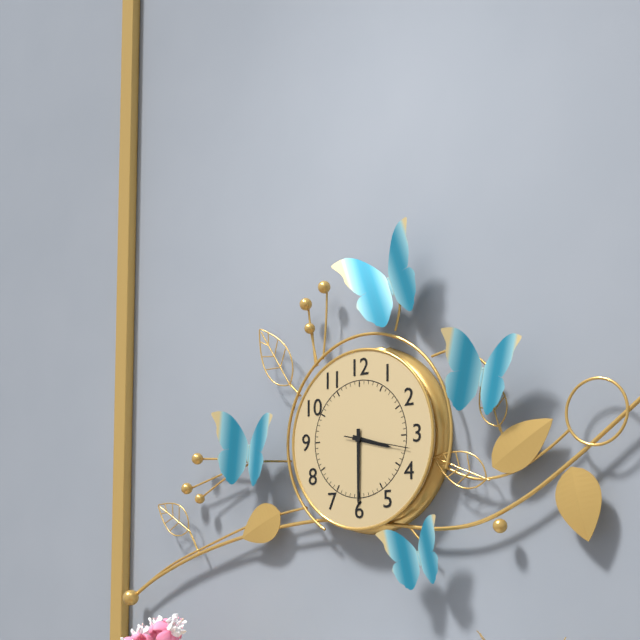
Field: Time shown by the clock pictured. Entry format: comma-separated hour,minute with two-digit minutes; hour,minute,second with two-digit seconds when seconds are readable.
3,30,17
